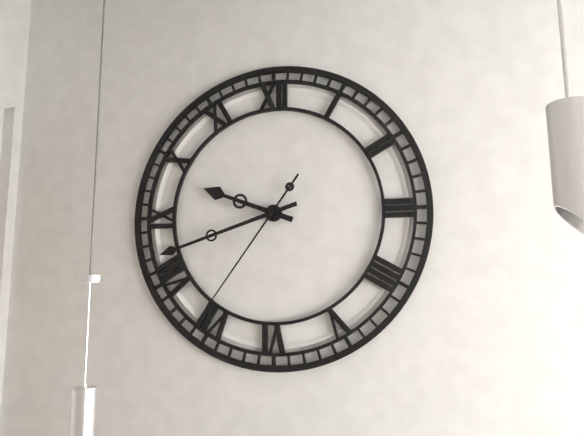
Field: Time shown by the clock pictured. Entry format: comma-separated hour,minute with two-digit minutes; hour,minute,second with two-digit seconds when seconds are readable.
9,42,36
